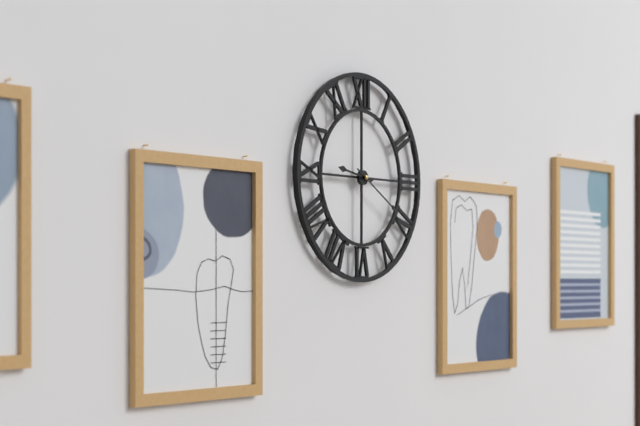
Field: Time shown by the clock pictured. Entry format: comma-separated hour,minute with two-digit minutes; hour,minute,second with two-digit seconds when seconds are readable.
9,20
